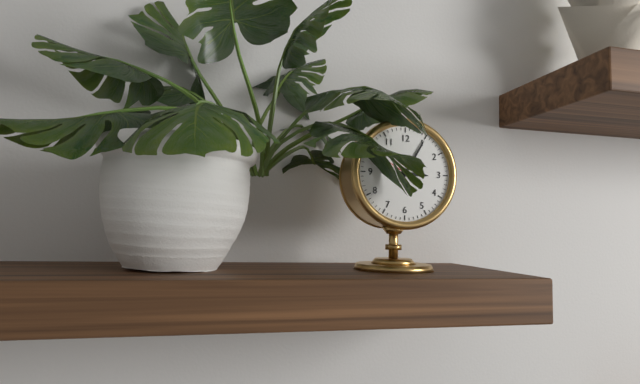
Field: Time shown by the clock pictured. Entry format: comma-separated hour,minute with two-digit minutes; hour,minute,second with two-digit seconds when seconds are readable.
3,05
